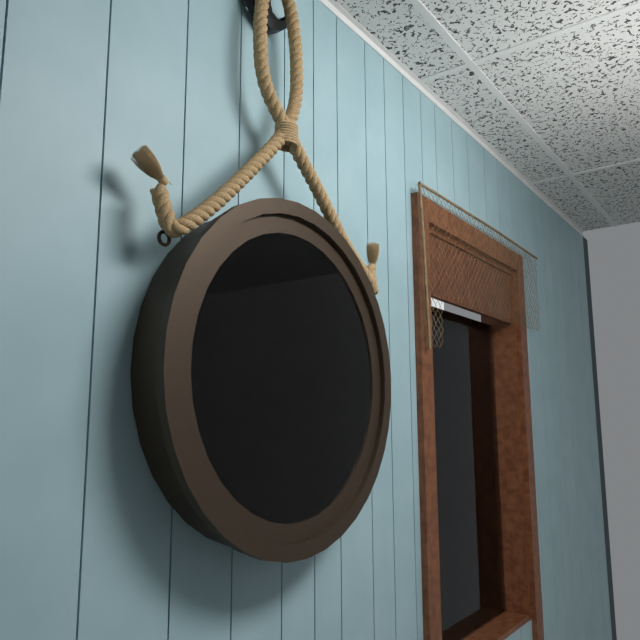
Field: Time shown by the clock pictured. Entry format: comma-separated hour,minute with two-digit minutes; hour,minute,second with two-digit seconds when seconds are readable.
1,46
